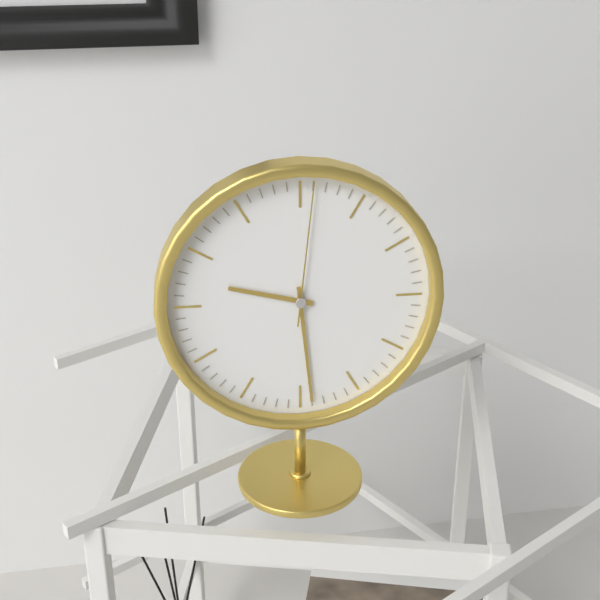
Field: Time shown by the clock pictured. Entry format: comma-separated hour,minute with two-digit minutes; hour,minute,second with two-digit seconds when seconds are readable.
9,29,01
